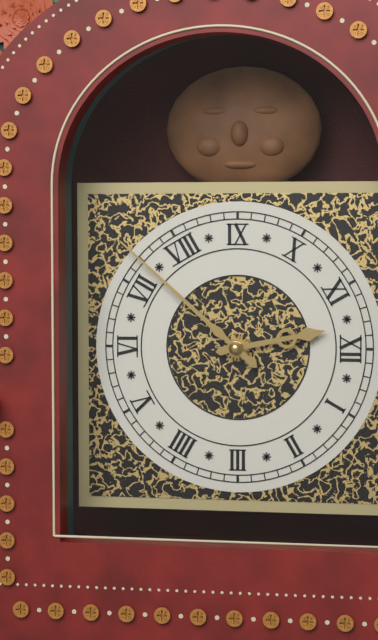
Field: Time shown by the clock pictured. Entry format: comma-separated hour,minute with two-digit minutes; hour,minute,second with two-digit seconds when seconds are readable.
11,37
